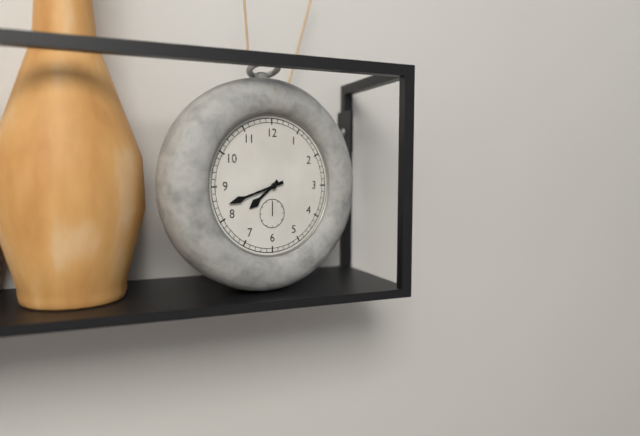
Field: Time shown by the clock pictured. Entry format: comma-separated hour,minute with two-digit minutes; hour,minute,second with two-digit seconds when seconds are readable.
7,42
